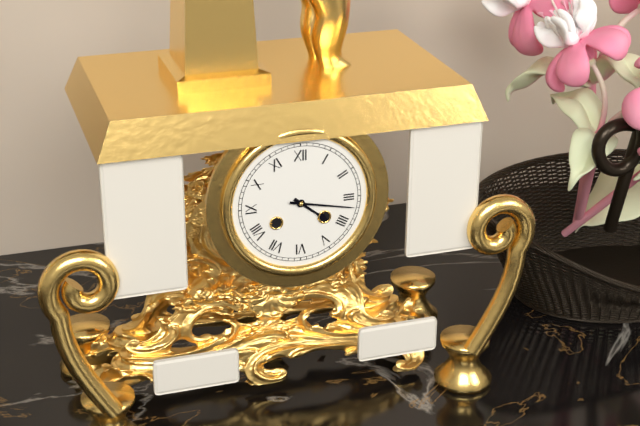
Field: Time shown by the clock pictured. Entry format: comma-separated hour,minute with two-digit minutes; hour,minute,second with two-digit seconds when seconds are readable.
4,17
